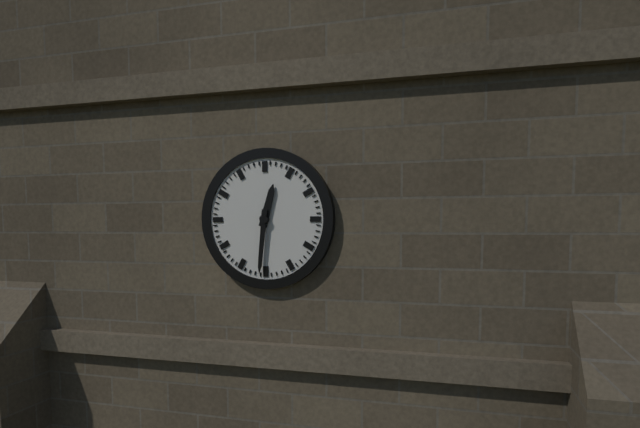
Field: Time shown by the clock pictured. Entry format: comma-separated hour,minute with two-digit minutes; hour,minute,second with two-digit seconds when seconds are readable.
12,31
